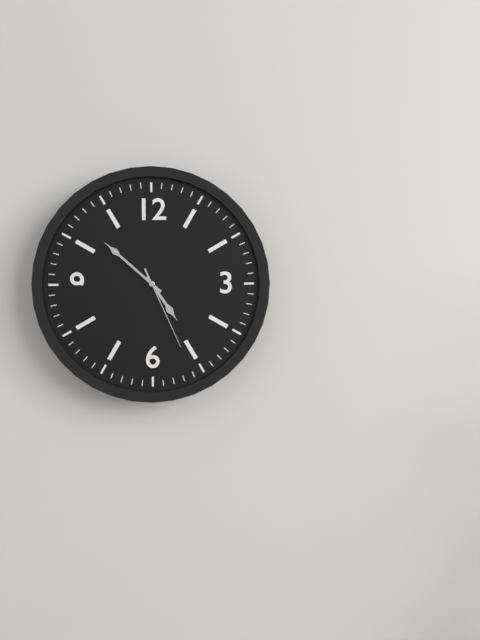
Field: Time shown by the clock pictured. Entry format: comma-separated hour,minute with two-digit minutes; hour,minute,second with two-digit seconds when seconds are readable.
4,52,26
